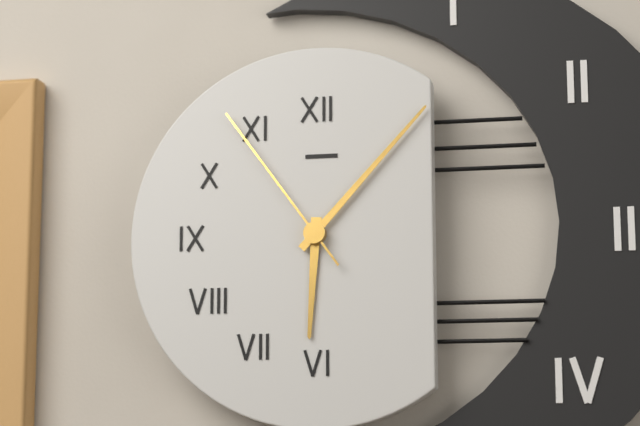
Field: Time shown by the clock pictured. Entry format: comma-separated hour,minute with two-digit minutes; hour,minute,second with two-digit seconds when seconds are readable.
6,07,54
